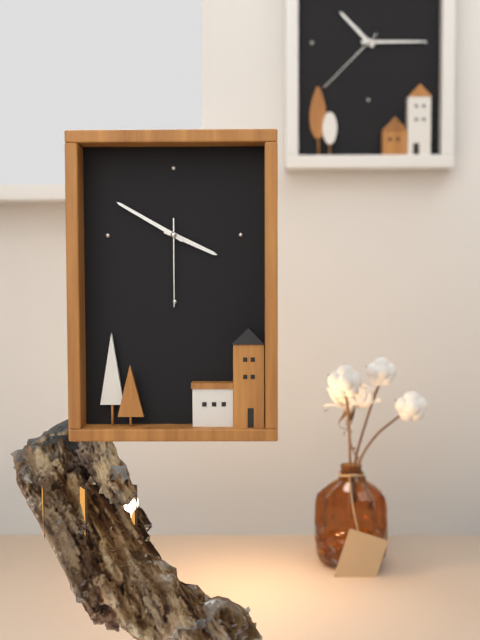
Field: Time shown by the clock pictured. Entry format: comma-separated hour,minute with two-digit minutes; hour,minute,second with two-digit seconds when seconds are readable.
3,50,30
